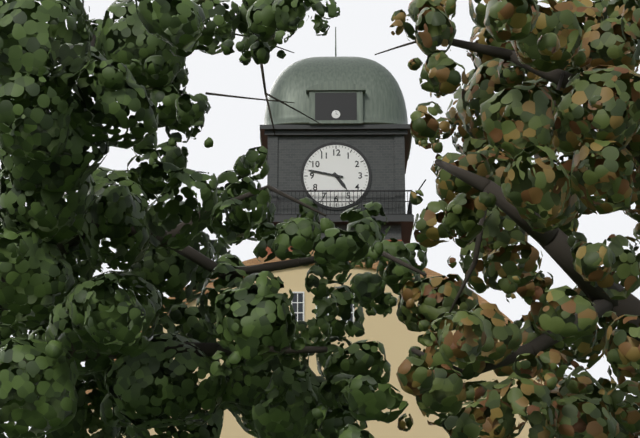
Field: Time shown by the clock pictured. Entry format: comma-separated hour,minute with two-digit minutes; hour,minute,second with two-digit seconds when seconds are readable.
4,47
